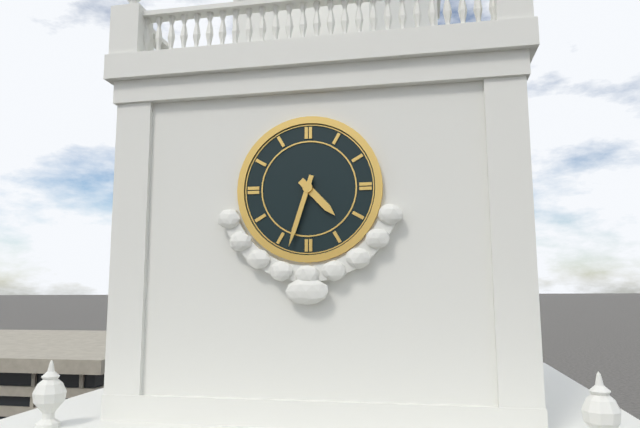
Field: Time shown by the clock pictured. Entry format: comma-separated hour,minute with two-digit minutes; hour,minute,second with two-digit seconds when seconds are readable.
4,33
